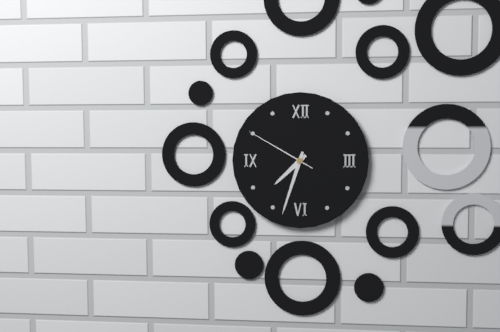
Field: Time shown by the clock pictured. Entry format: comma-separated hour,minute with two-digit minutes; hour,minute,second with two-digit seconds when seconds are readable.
7,33,50
